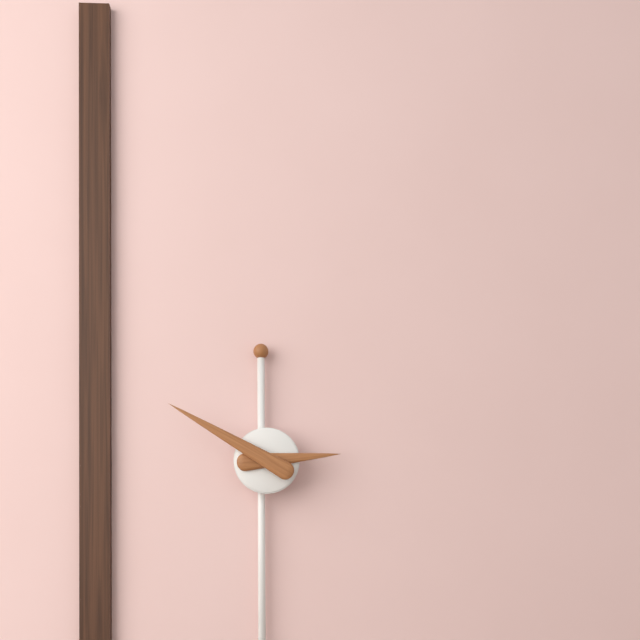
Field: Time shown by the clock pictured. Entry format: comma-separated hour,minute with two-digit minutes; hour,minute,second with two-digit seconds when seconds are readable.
2,50
